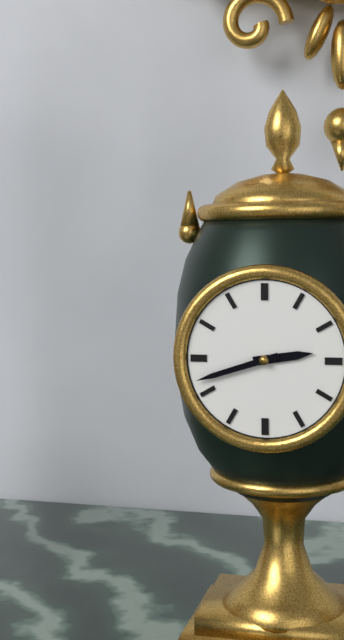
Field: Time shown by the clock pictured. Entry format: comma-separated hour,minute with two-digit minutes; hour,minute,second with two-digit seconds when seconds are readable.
2,42
